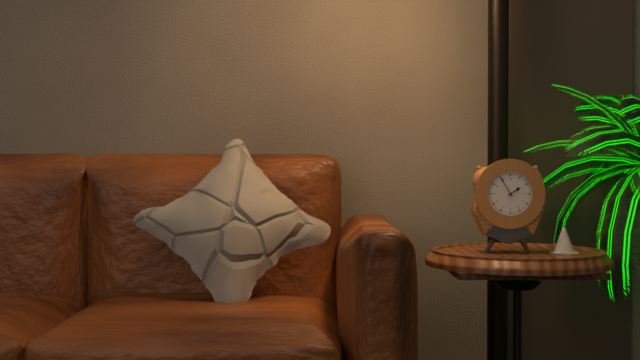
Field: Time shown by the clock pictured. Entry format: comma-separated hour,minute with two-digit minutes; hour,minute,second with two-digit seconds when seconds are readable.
1,55
